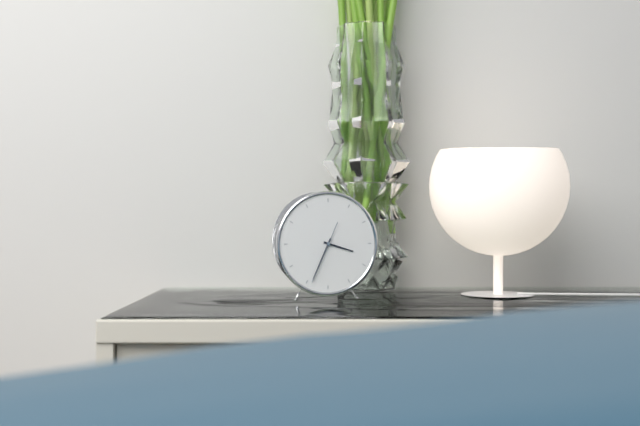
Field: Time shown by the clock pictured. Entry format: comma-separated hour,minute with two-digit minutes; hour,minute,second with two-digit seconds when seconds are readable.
3,34,34
